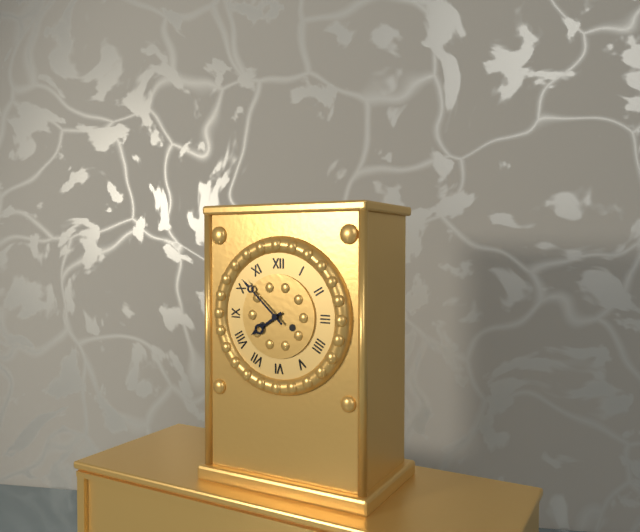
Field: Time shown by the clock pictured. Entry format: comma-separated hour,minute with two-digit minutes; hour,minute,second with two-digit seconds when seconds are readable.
7,52
